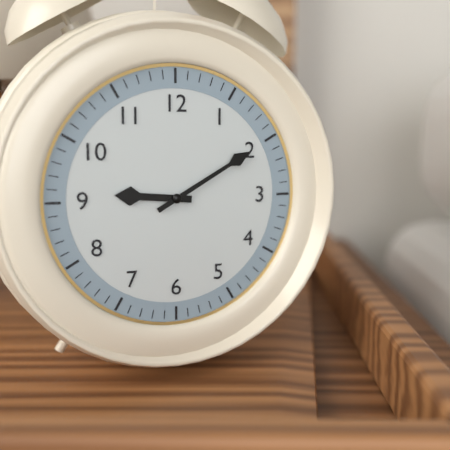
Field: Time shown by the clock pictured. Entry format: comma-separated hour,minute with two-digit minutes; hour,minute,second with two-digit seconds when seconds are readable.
9,10
